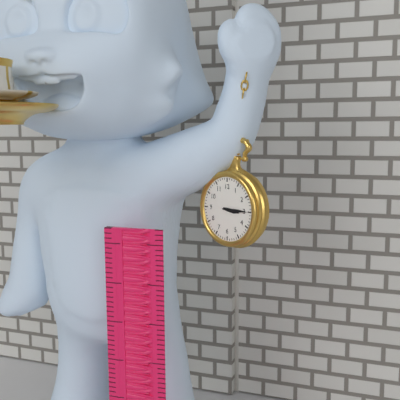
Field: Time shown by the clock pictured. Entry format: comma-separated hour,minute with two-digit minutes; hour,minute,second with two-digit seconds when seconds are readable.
3,15
